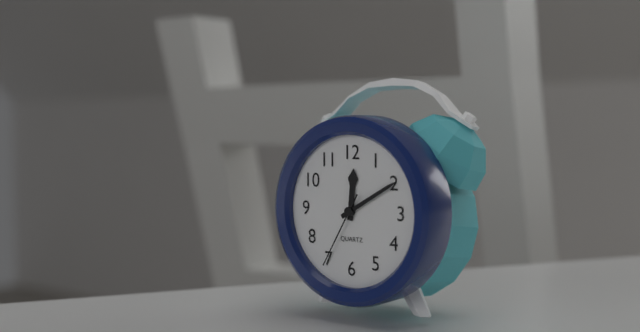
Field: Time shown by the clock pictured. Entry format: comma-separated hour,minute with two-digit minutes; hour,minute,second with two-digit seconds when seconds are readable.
12,10,35
